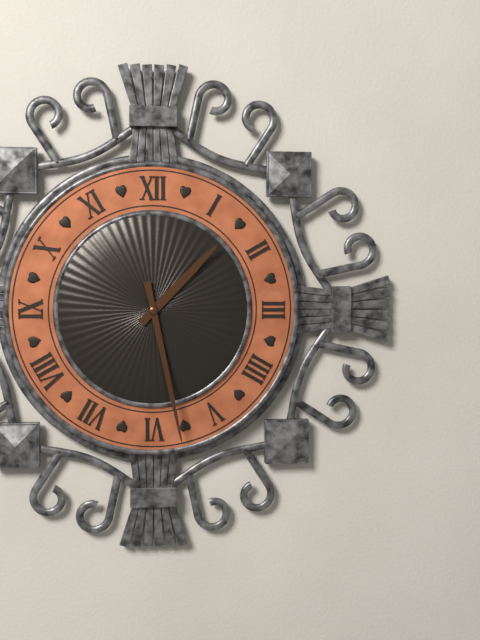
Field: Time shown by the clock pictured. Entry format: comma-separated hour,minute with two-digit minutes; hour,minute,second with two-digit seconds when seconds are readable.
1,28
